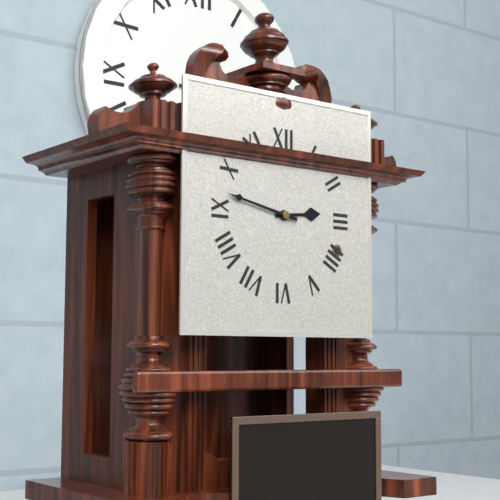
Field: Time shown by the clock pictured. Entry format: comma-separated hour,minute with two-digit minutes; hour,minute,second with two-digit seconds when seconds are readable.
2,47
